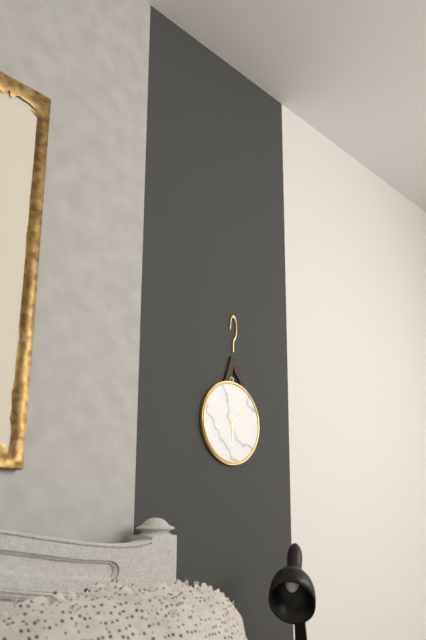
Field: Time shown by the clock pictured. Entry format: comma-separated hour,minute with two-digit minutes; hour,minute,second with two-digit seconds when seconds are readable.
6,08
